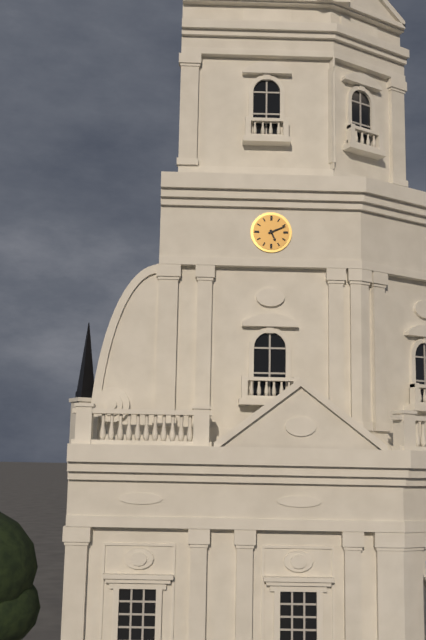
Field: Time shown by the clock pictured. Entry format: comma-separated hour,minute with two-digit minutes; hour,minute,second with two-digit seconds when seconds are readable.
5,11
